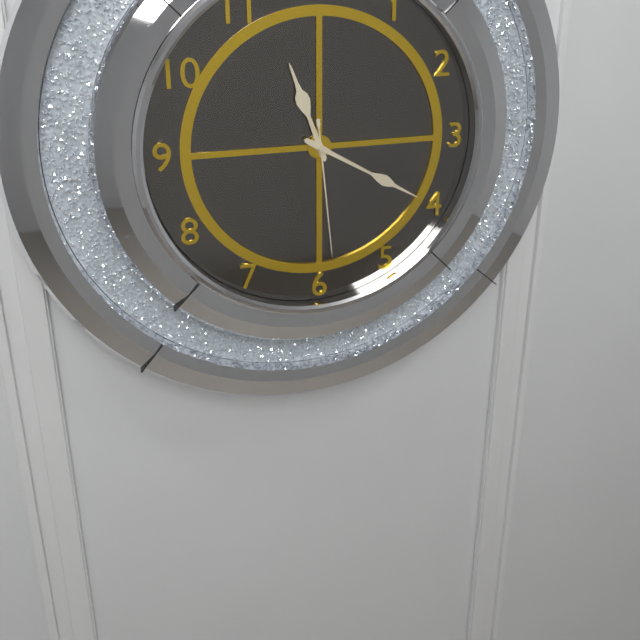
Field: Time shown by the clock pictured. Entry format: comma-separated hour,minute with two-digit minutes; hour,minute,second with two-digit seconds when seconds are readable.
11,20,29
